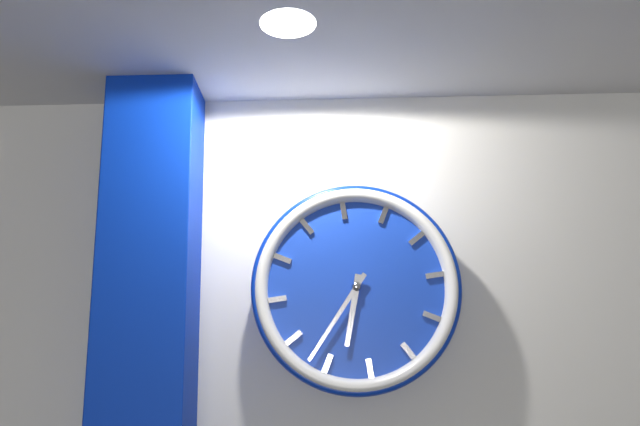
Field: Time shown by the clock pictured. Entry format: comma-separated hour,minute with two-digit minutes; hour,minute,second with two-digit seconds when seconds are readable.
6,37
